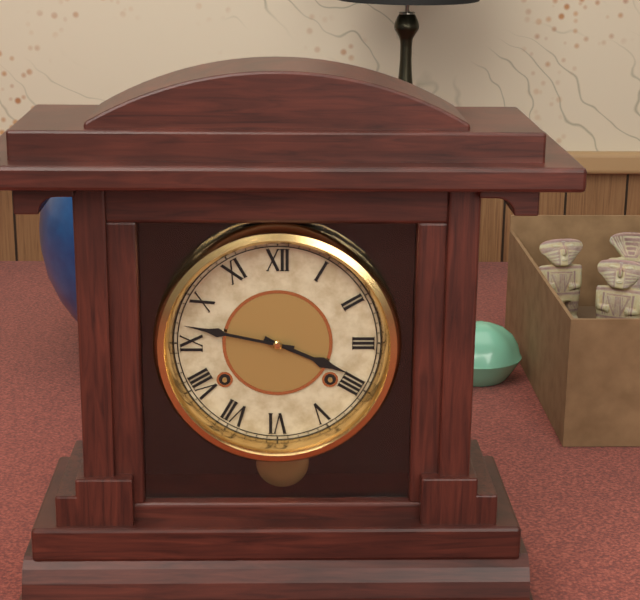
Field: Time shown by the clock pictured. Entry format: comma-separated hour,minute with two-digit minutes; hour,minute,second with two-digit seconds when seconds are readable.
3,47
